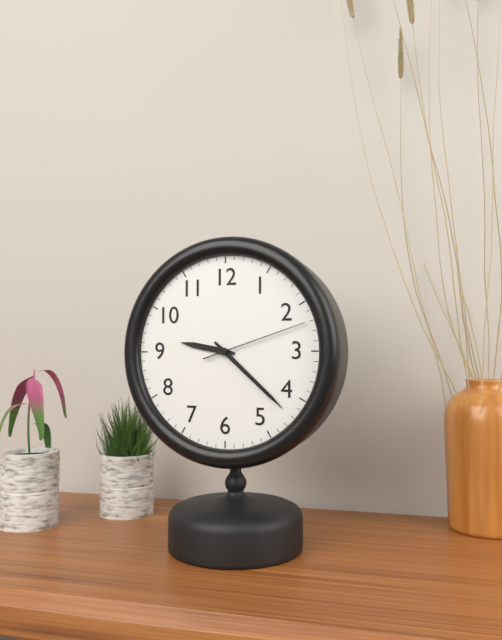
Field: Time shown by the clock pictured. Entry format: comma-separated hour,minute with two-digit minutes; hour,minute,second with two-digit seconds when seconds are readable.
9,22,12
